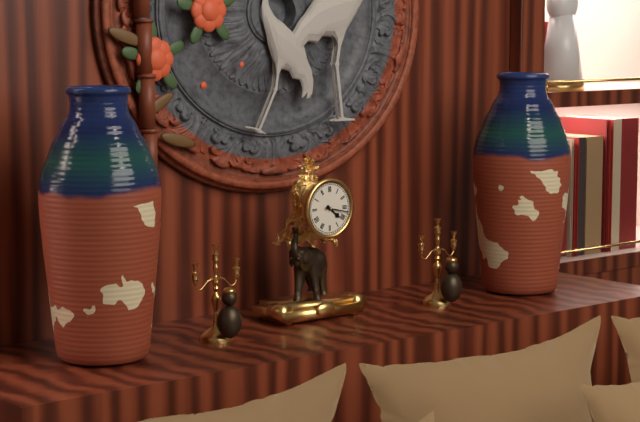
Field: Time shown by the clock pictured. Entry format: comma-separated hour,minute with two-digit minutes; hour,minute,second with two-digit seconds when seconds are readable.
4,17
